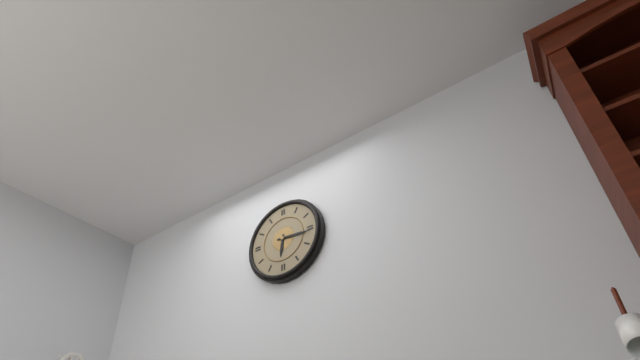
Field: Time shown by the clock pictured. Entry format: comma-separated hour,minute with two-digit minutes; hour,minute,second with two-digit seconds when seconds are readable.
6,16
